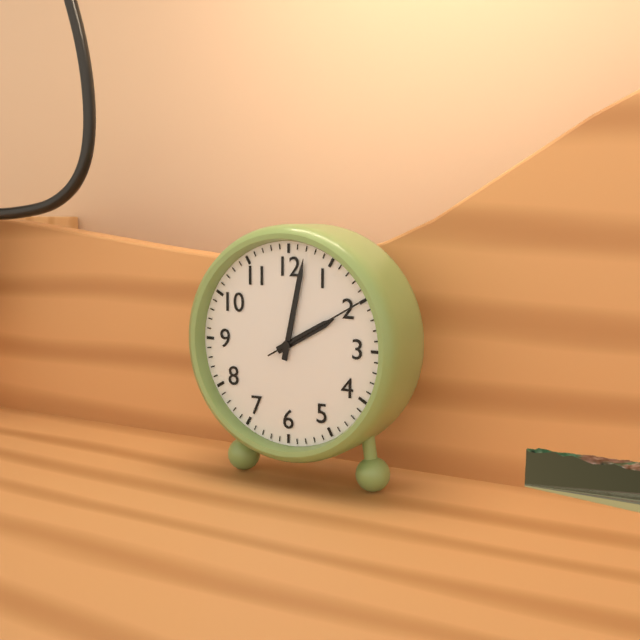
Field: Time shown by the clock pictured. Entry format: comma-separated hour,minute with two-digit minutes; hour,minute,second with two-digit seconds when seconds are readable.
2,02,10
